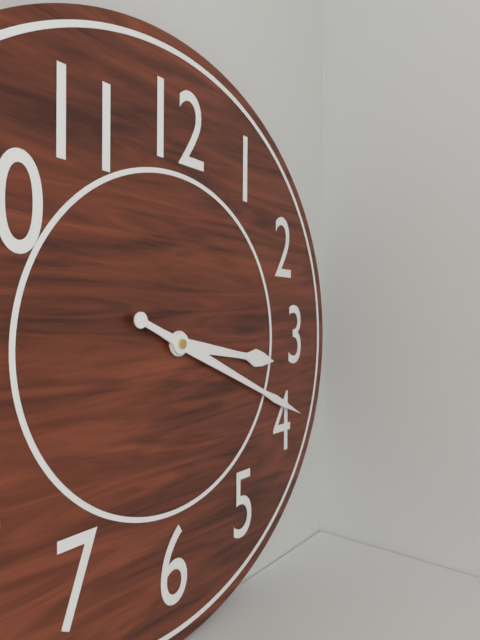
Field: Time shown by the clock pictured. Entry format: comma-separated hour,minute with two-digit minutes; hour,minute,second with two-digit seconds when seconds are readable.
3,19
